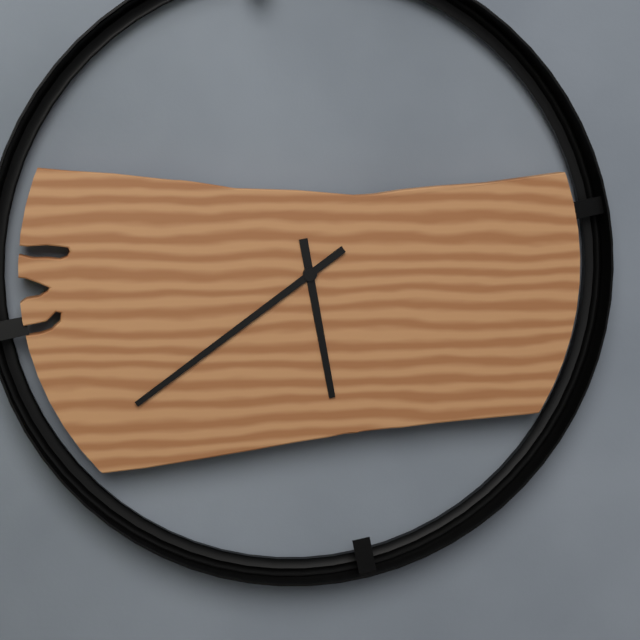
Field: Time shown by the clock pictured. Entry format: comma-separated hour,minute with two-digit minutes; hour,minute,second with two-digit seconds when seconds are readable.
5,39
